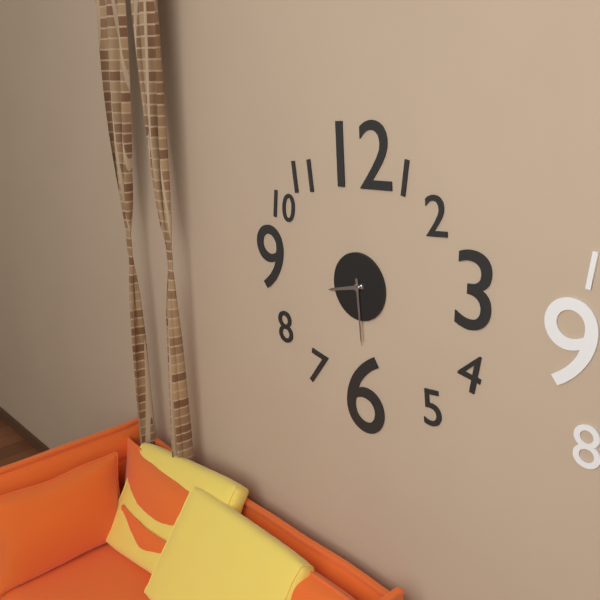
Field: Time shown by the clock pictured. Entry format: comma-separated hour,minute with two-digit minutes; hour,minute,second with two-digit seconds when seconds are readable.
8,29
